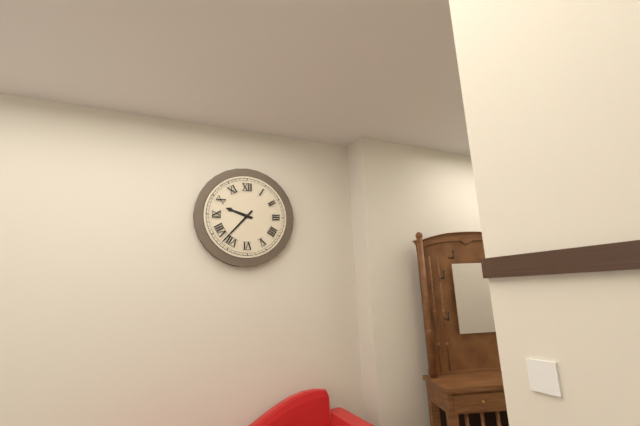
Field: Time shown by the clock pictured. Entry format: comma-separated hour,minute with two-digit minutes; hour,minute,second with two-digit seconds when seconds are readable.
9,37
